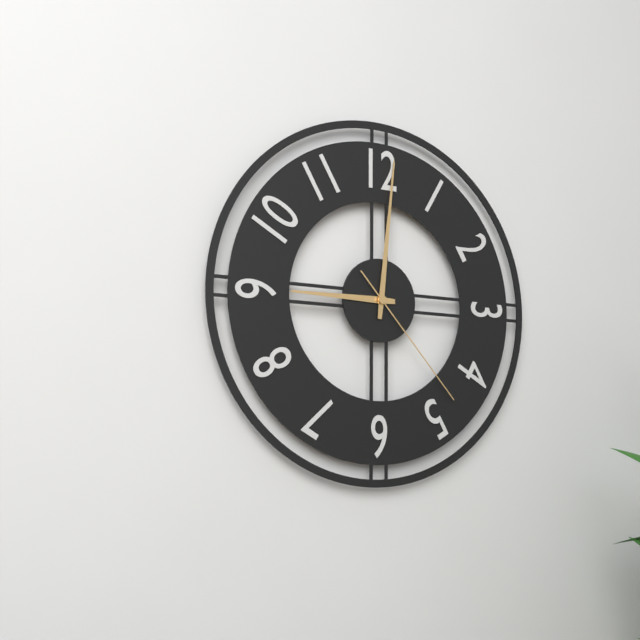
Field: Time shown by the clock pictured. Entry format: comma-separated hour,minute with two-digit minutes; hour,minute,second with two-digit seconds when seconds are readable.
9,01,23
